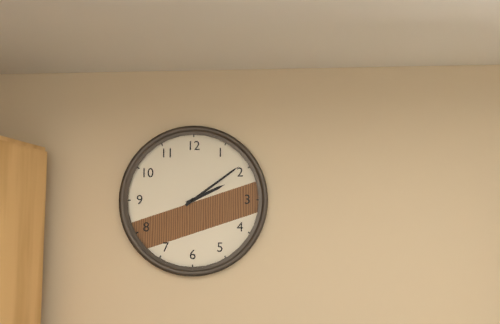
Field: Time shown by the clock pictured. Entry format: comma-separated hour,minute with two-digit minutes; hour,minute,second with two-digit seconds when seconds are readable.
2,09
